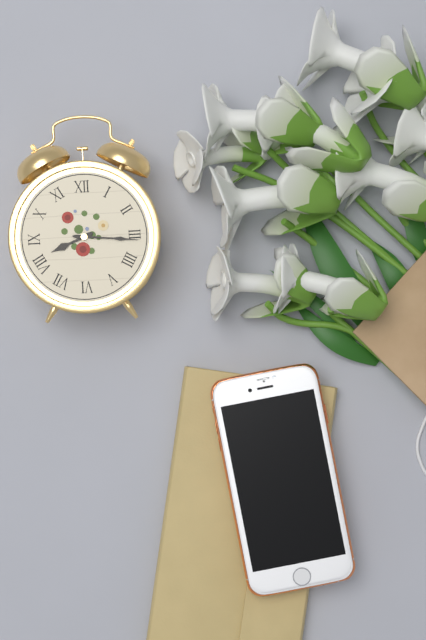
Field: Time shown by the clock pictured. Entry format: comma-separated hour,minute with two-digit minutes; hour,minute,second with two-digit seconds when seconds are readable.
8,16
